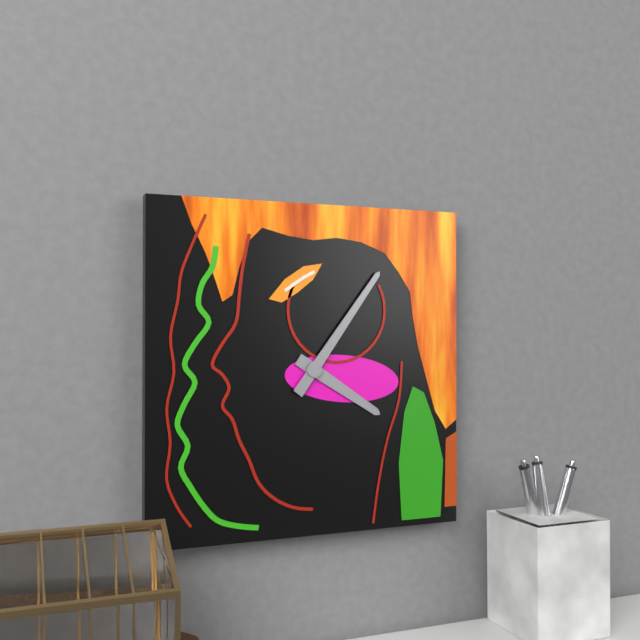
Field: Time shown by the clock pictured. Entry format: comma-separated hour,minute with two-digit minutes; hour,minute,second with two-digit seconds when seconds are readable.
4,06
